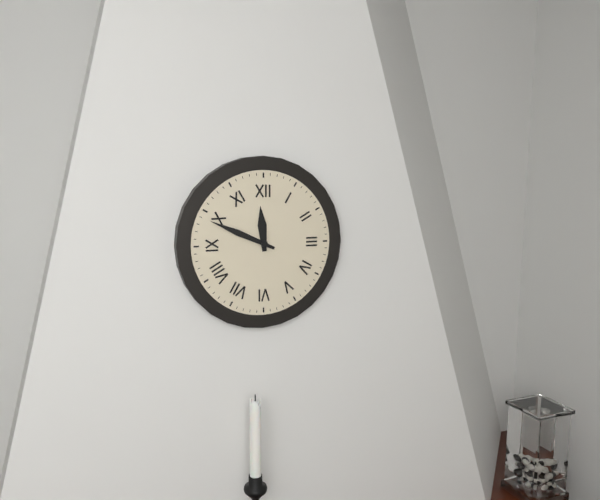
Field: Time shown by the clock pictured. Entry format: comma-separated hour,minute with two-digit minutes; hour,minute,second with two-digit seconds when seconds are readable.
11,49
